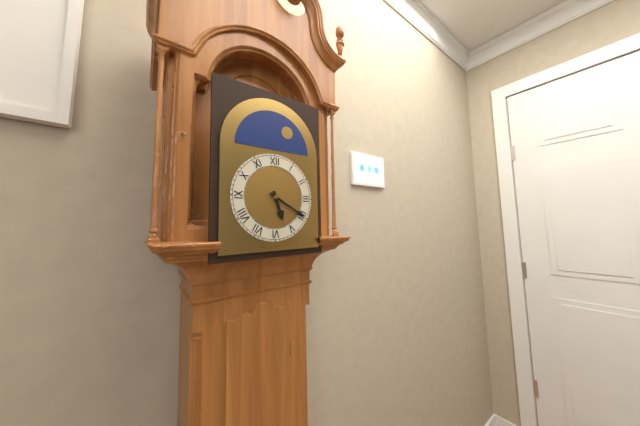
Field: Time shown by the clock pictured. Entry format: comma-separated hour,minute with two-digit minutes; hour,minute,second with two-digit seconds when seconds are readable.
5,20
